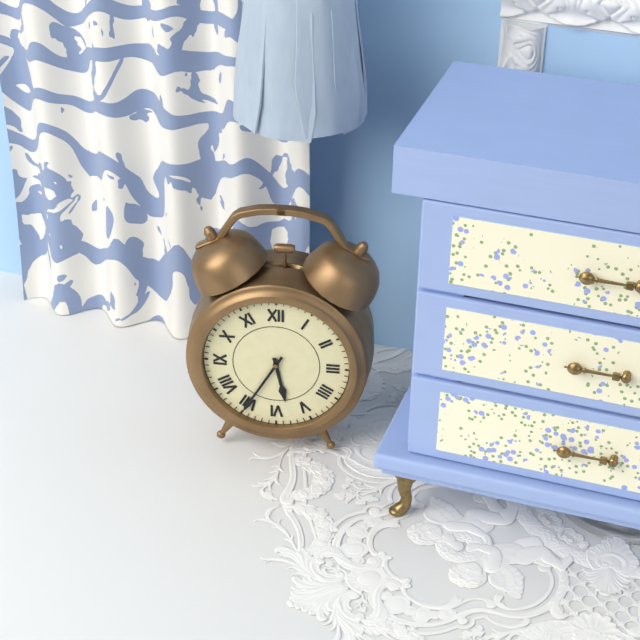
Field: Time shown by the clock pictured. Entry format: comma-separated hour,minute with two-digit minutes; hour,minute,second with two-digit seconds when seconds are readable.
5,35
